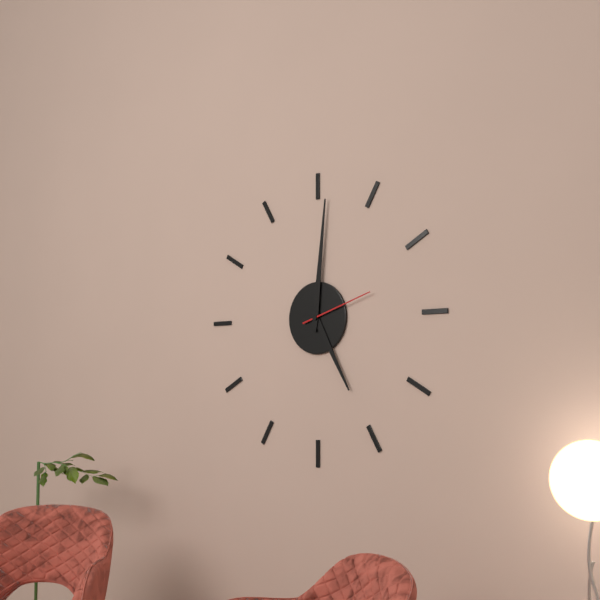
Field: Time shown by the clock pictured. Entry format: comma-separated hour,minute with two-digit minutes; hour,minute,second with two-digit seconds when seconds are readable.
5,01,12
